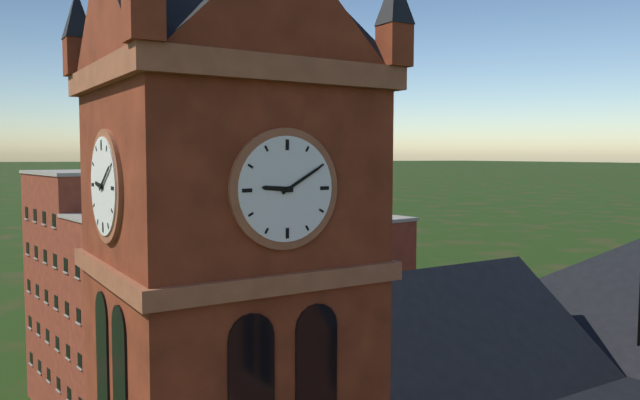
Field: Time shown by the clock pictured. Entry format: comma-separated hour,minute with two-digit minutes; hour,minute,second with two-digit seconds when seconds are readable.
9,10
